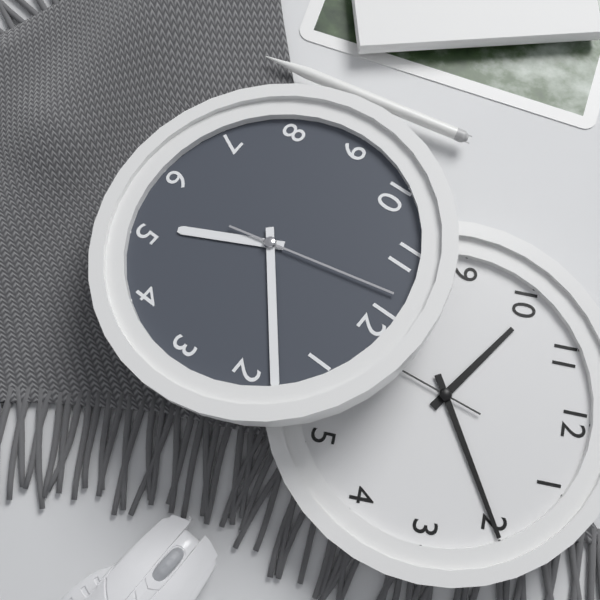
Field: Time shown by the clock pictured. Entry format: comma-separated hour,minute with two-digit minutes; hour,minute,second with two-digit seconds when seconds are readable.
5,08,58
